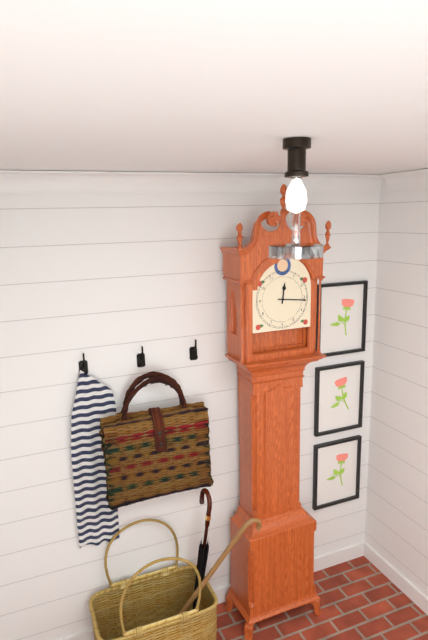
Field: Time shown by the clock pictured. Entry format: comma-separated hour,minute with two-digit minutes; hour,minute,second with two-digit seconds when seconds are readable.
12,16
